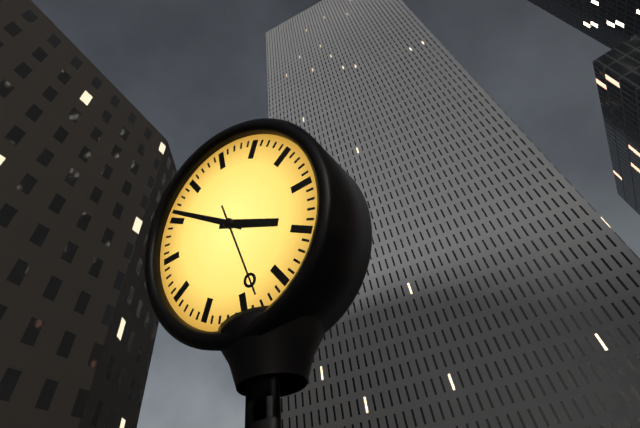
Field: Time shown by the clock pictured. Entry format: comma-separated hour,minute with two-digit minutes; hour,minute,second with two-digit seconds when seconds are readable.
3,51,28
